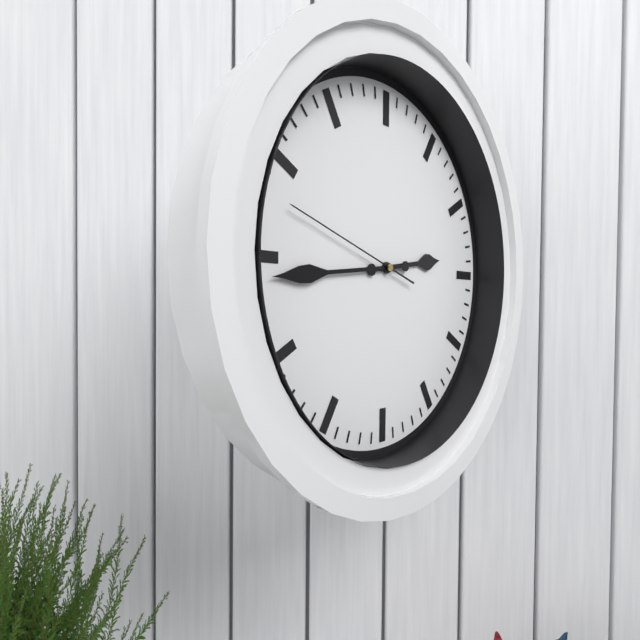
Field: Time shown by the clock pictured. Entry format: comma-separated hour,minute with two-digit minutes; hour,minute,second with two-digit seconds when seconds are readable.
2,44,48
